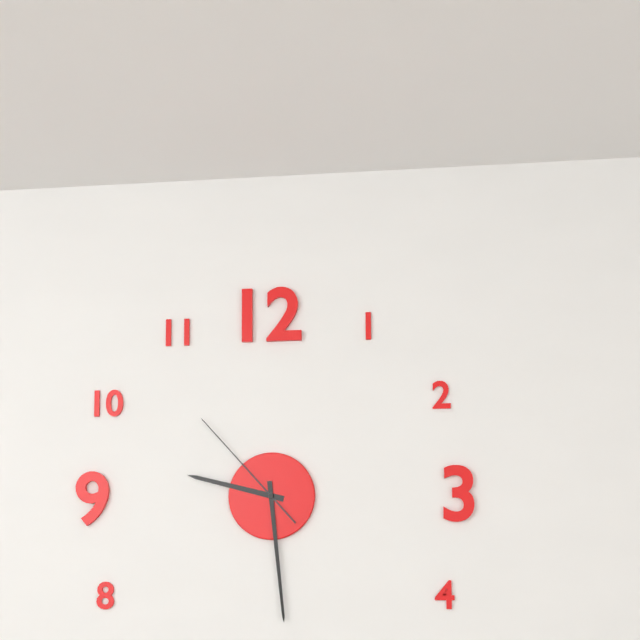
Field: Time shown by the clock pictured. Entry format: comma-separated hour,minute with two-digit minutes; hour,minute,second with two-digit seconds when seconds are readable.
9,29,53
